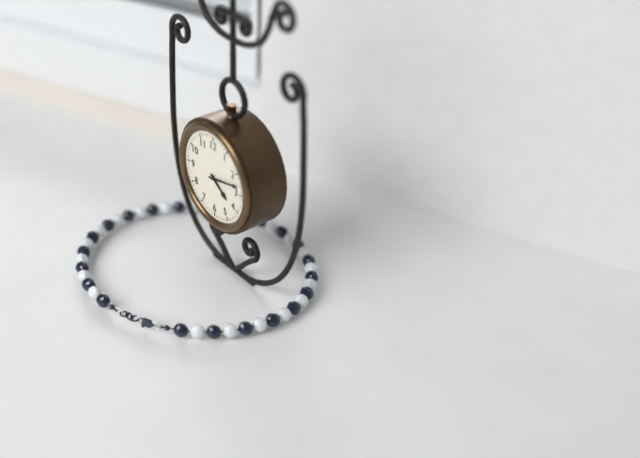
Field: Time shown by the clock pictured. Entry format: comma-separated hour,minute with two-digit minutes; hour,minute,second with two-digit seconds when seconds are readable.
4,13
